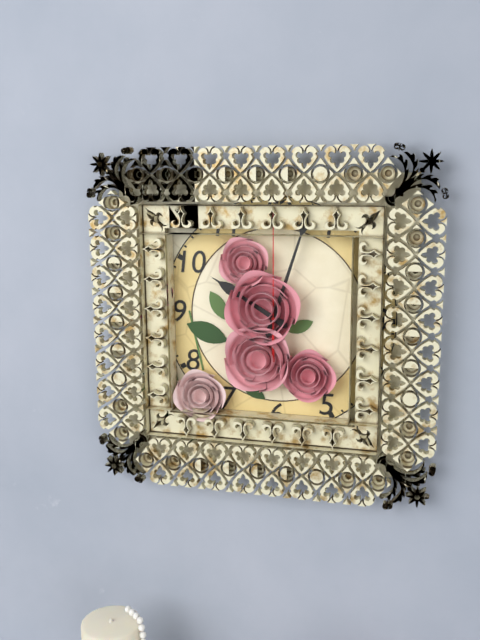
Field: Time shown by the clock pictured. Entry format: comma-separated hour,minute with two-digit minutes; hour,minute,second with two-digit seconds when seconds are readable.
10,03,00
